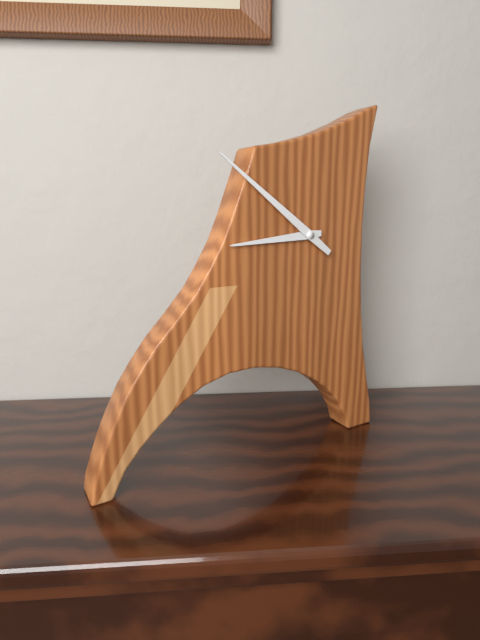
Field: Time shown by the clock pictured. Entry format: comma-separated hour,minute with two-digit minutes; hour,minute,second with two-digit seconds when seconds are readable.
8,51
